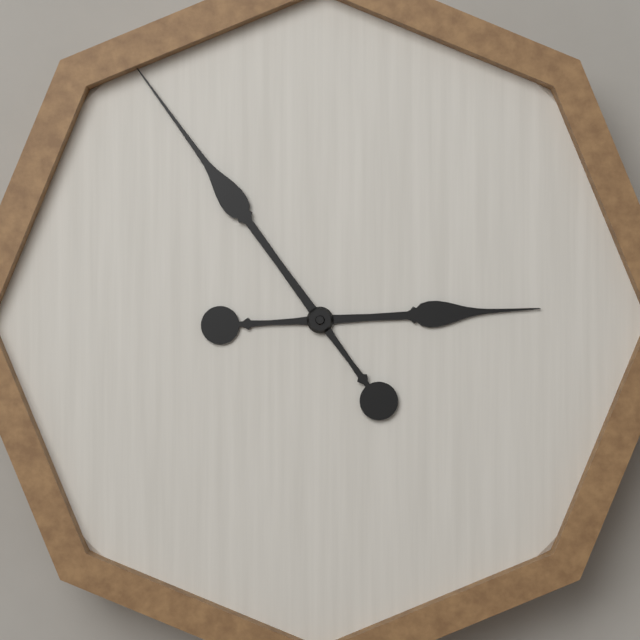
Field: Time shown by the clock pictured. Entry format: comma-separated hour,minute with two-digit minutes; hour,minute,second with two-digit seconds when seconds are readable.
2,54
